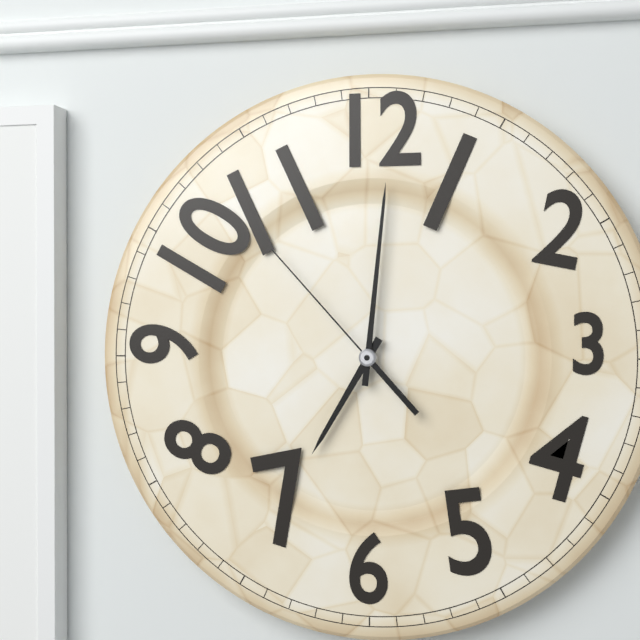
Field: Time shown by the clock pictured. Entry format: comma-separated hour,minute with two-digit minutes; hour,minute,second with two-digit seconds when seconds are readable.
7,01,53
